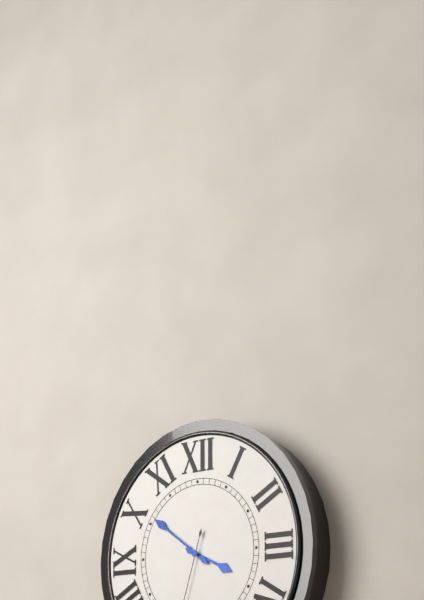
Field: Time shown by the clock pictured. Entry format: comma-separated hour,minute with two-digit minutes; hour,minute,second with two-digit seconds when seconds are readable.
3,51
